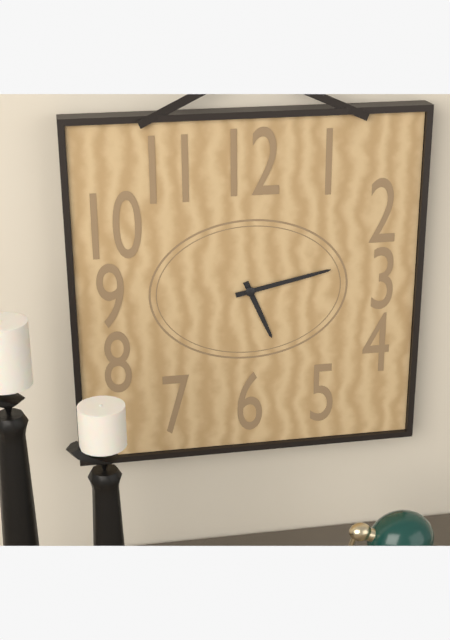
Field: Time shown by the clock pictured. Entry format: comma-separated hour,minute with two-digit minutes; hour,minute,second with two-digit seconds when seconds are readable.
5,13
